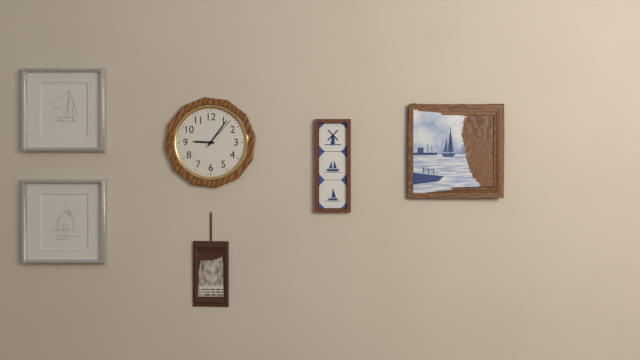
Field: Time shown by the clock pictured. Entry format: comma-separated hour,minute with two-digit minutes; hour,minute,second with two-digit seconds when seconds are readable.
9,06
